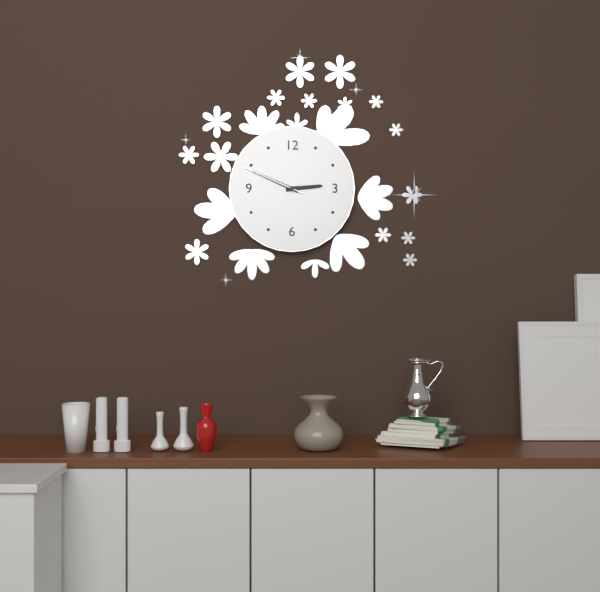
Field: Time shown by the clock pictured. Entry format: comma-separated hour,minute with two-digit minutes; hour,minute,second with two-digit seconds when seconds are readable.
2,49,49
